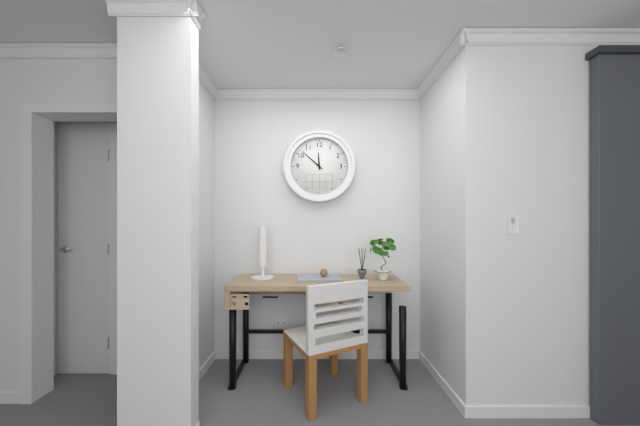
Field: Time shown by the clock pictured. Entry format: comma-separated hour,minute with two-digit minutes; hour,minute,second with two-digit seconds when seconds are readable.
11,52
